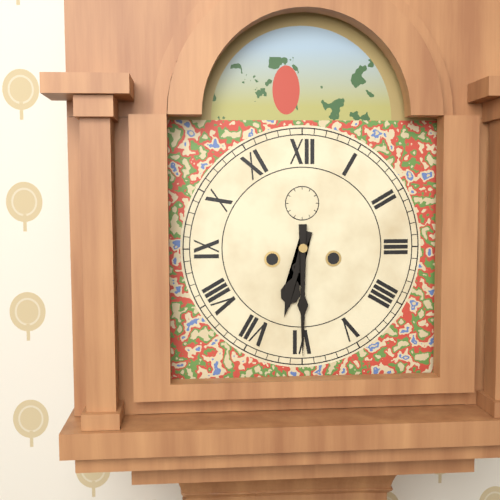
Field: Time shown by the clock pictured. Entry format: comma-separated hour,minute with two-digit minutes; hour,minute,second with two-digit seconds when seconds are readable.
6,30
